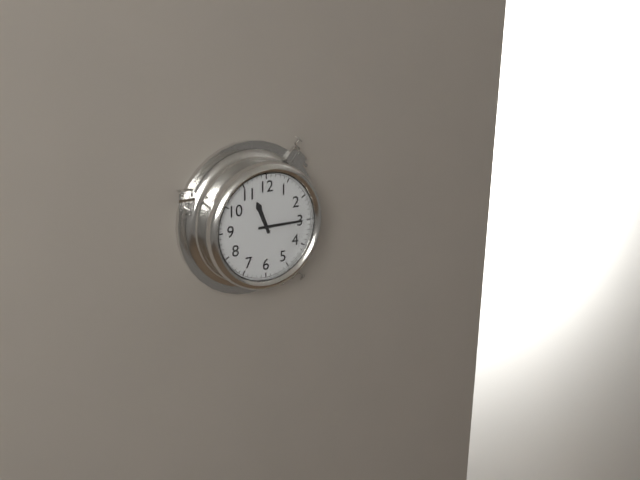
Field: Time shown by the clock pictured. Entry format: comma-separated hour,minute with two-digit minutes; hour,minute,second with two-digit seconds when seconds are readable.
11,15
